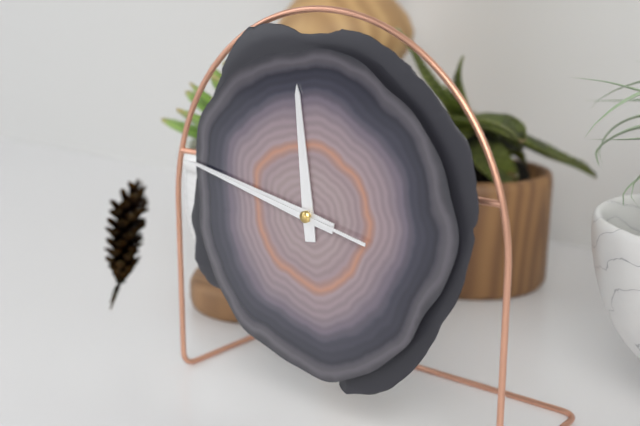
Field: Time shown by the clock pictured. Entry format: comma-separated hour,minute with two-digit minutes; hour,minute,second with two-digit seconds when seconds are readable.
11,47,47
